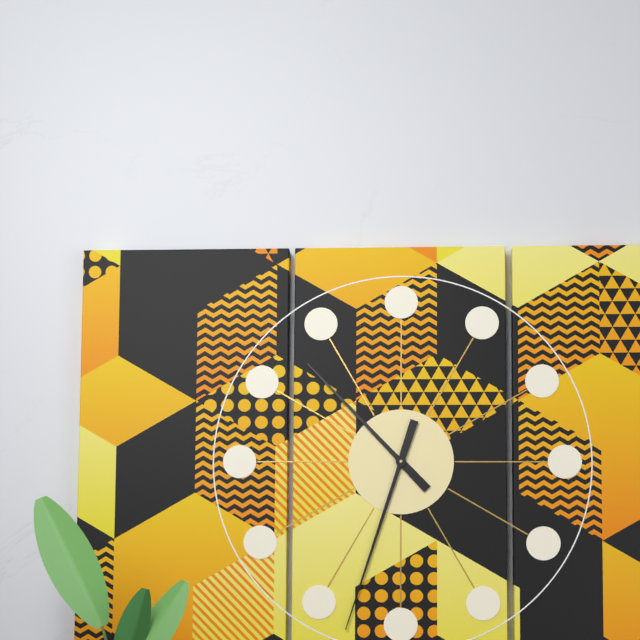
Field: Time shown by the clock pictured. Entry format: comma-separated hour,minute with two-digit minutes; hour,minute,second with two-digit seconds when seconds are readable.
10,33
